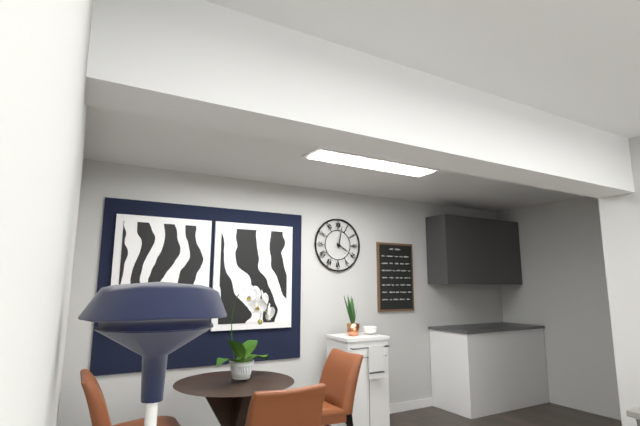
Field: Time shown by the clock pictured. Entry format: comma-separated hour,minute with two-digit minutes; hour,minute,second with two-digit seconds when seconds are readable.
4,02
